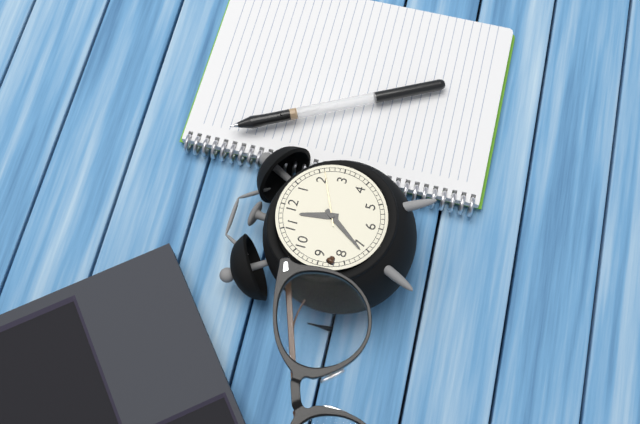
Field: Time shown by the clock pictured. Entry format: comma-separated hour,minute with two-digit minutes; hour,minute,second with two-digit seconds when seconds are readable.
11,36,11
